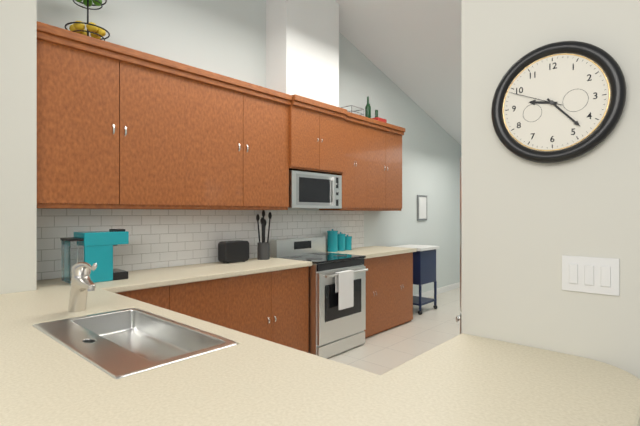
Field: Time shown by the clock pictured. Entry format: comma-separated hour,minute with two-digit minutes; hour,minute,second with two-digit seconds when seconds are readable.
9,23,49
